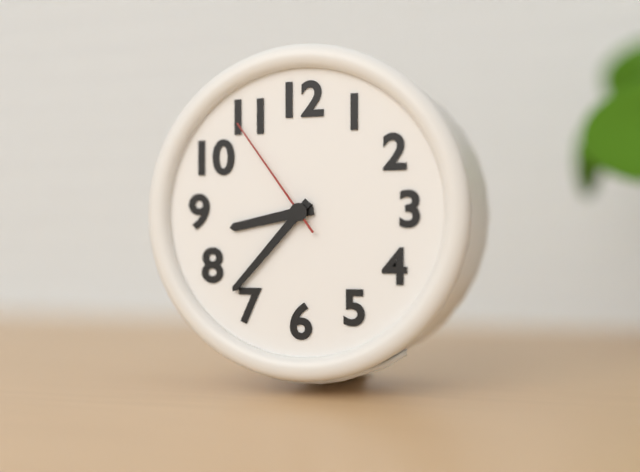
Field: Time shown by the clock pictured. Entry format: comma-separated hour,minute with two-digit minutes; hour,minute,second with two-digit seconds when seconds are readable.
8,37,54
